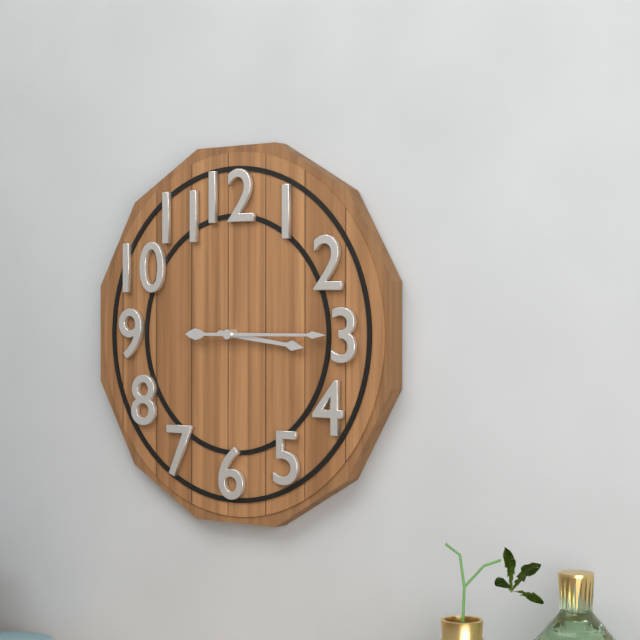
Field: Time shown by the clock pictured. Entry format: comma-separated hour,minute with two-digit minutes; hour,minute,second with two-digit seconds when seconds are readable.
3,15
